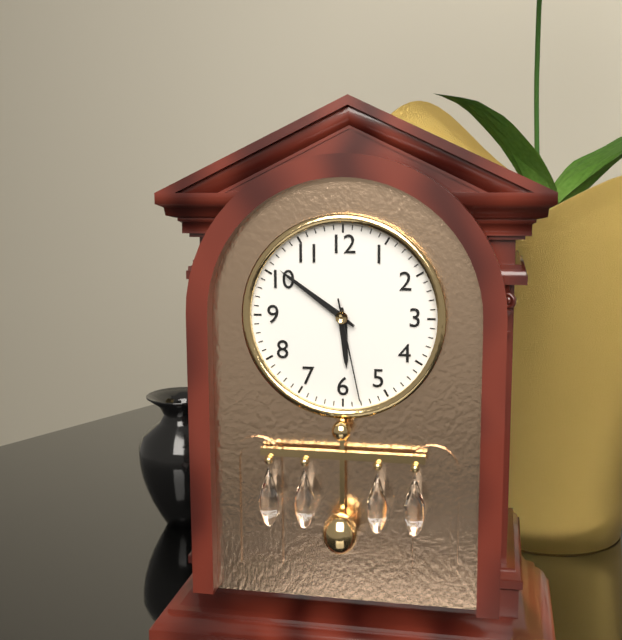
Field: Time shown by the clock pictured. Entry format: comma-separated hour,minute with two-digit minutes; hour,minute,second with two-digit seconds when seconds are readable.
5,51,28
